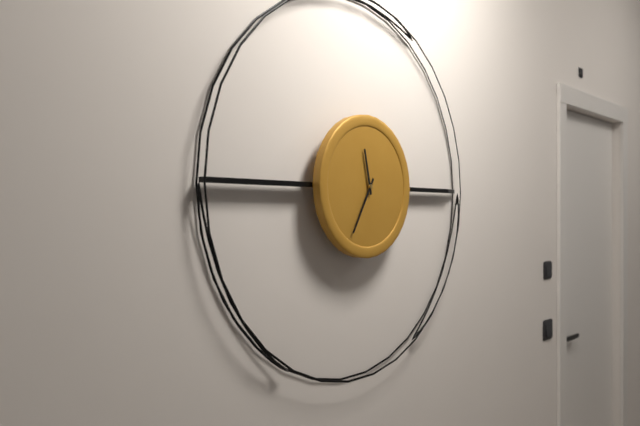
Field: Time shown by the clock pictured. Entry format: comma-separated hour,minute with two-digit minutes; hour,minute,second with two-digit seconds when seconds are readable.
11,35
